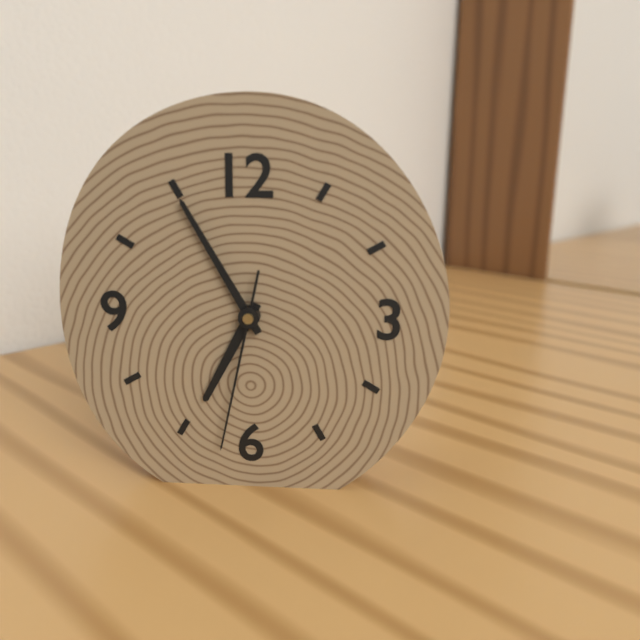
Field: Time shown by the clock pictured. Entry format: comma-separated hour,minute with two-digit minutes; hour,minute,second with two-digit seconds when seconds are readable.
6,55,32
